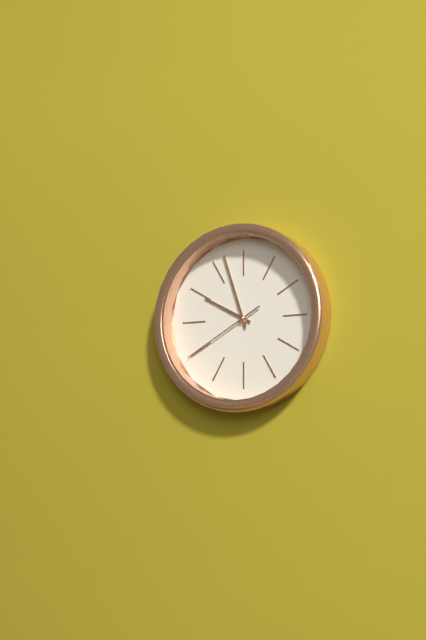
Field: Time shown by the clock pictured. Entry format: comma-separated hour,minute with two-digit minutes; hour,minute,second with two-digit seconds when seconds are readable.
9,57,40
